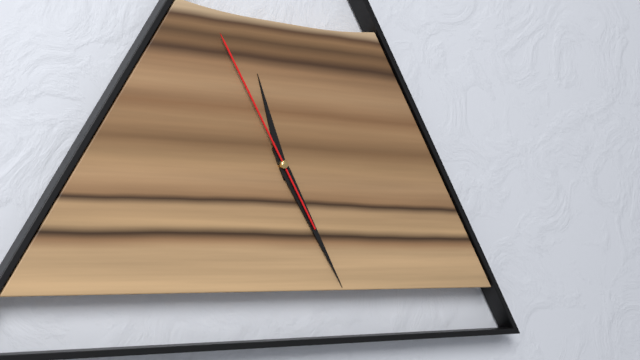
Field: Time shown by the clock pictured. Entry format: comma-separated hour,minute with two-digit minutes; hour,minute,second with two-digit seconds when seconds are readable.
11,25,55
